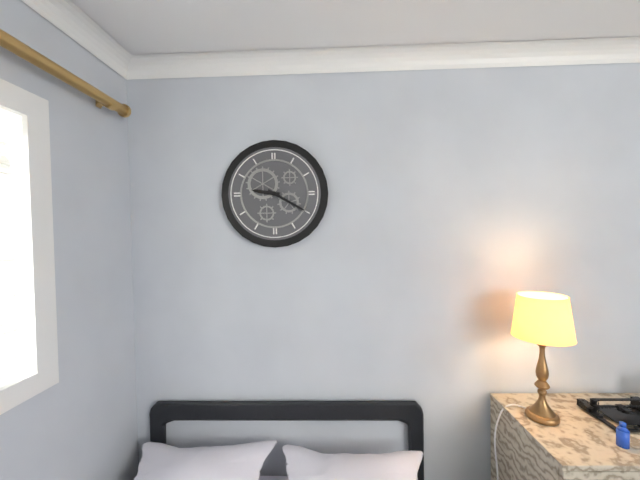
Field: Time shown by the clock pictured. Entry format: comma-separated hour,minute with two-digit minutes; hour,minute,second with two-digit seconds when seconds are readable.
9,20
